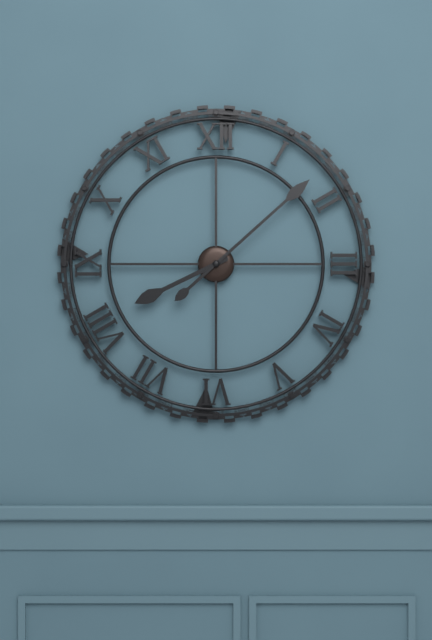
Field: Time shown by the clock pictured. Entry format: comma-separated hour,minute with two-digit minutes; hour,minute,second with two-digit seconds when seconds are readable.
8,08
